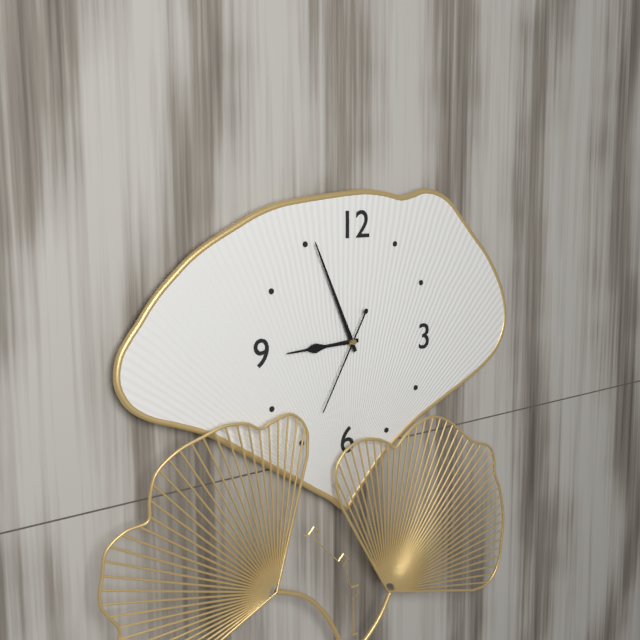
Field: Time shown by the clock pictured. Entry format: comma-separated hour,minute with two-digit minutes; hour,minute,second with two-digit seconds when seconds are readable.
8,56,35
